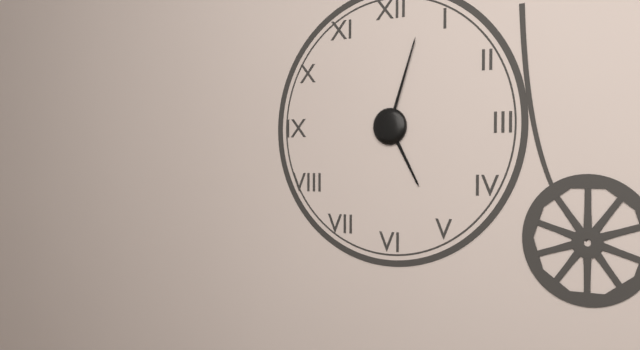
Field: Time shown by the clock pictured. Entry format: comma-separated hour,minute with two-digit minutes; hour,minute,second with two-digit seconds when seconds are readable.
5,03
